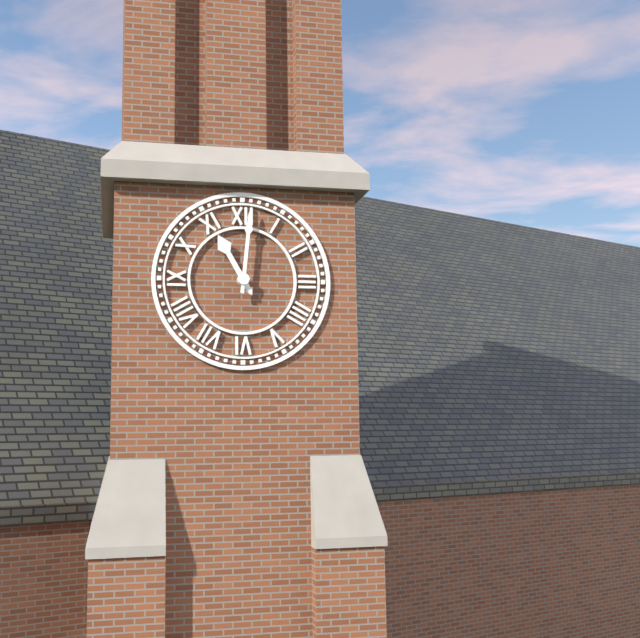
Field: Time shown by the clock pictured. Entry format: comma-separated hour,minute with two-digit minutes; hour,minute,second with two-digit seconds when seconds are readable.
11,01
